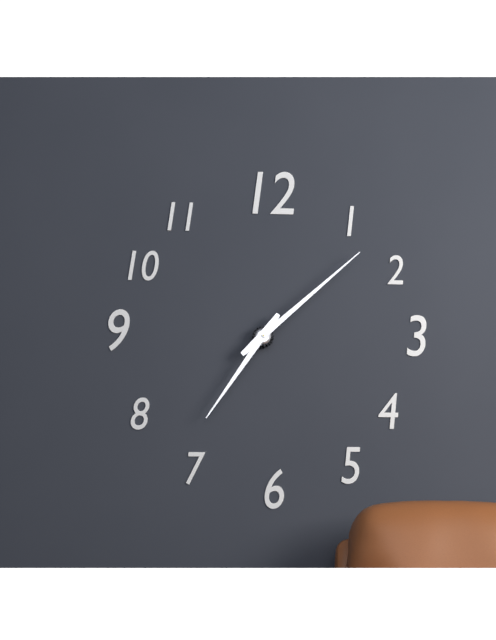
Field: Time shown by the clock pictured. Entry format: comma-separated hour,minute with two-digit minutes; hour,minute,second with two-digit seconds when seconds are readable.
7,08
